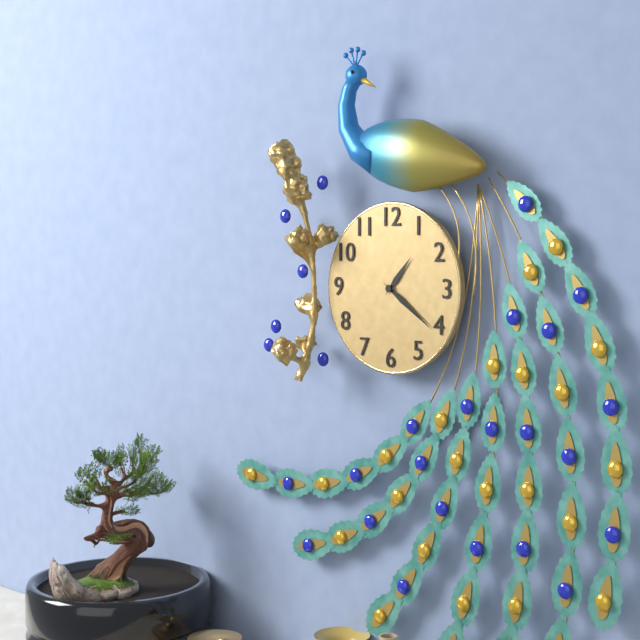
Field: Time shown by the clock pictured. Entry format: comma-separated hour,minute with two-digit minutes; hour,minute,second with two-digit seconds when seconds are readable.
1,21
